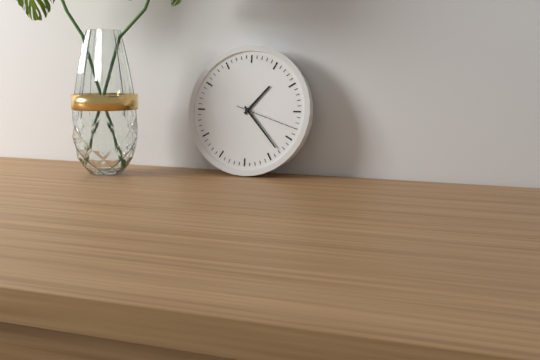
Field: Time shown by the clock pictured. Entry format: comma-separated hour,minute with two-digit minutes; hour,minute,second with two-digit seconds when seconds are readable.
1,23,18
